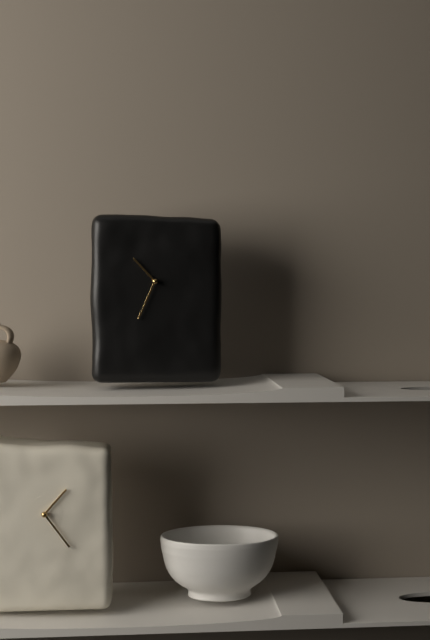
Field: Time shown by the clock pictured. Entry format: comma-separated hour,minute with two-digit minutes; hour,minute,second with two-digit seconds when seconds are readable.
10,34
